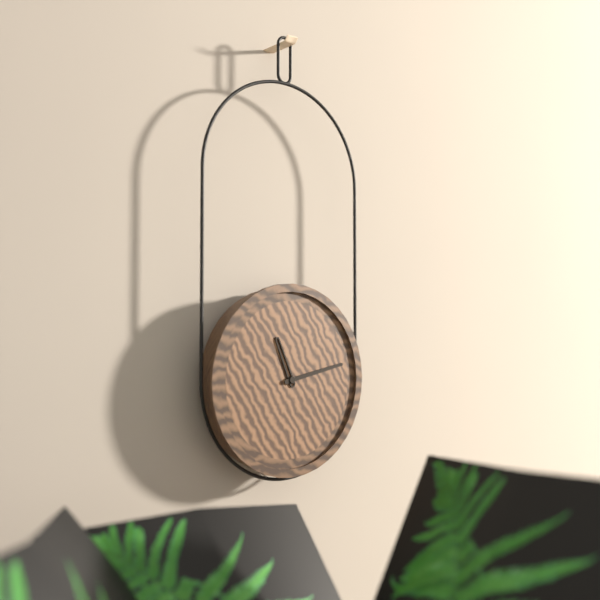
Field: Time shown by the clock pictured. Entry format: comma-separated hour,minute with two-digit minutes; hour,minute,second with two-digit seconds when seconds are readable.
11,13
